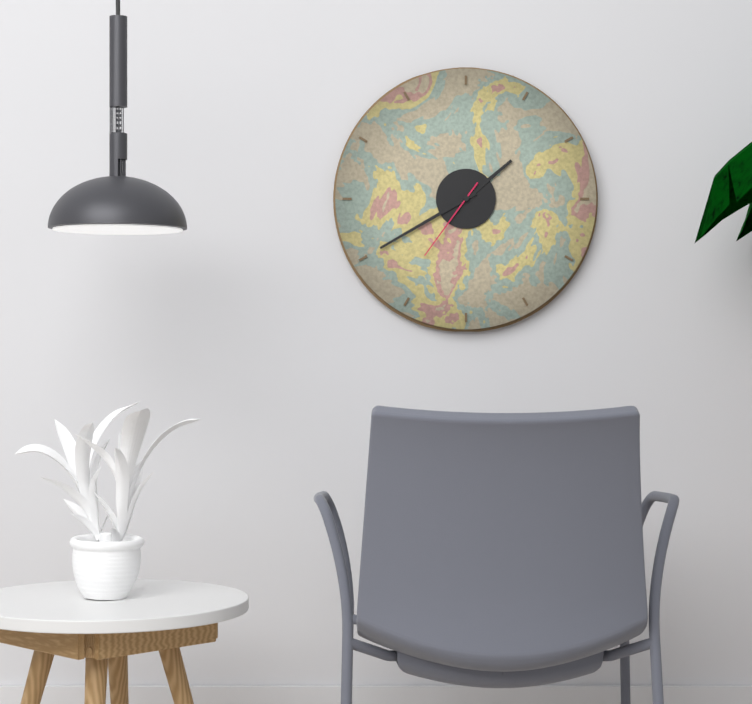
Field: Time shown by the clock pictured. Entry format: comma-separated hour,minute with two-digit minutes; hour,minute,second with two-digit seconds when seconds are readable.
1,40,36
